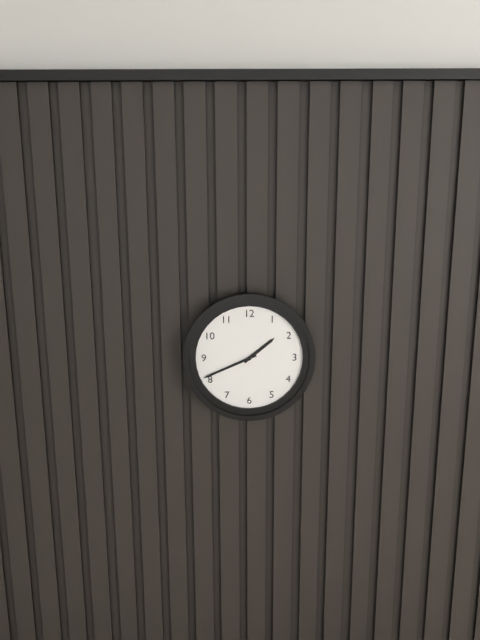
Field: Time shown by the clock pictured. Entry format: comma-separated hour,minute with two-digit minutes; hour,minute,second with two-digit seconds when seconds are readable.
1,41
